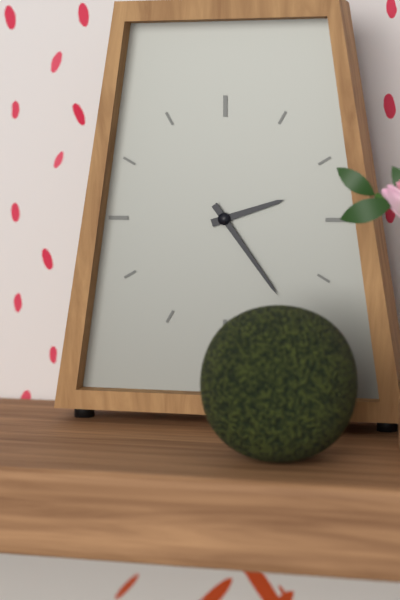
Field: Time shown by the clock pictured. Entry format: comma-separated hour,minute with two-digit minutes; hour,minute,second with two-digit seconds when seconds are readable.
2,24
